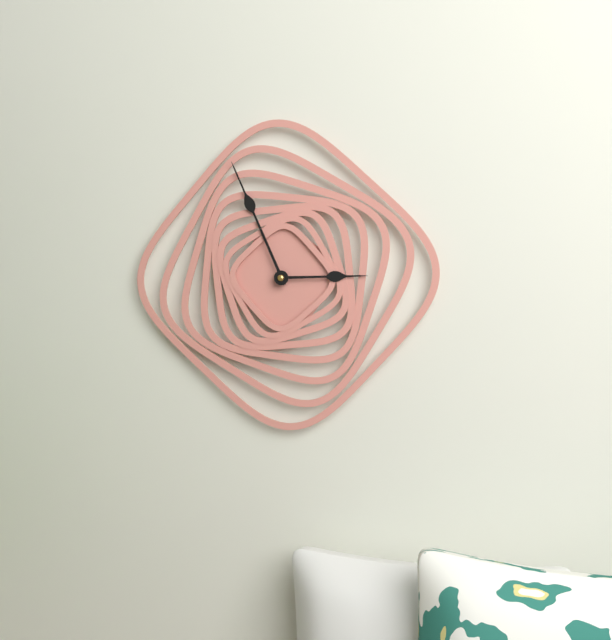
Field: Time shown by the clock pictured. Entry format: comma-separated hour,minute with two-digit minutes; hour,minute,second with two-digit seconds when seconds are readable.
2,56
